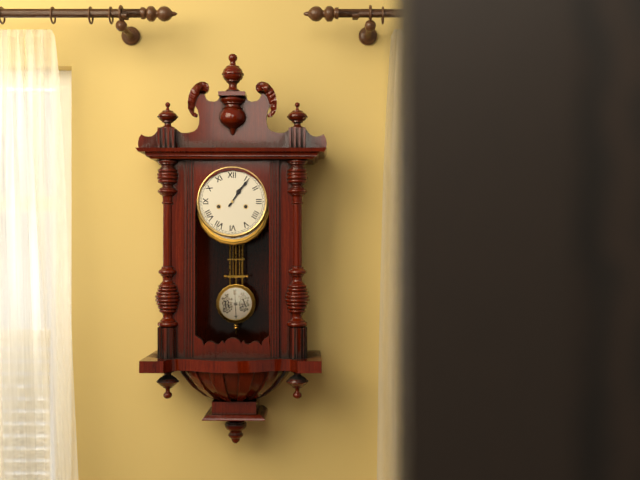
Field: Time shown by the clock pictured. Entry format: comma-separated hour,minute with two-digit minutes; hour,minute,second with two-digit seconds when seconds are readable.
1,06
